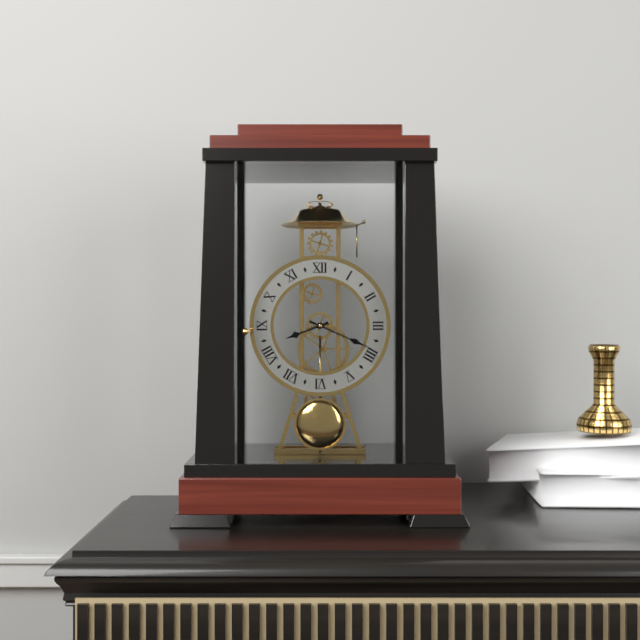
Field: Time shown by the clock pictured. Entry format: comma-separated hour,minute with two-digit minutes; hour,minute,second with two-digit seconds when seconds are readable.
8,19
